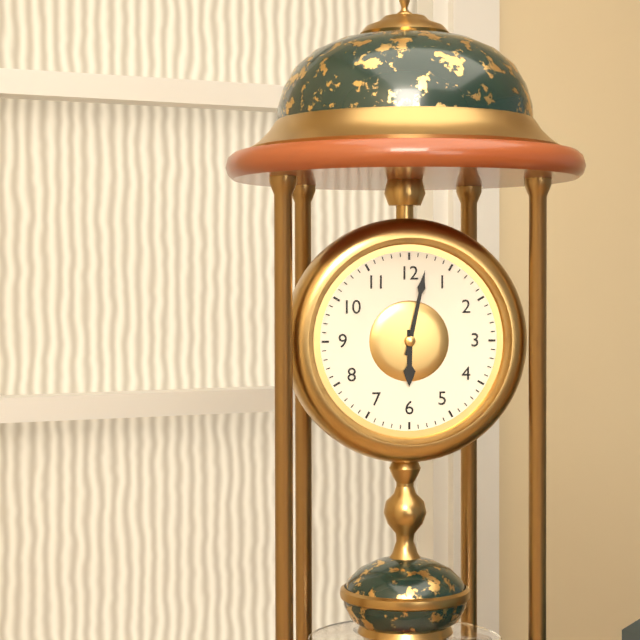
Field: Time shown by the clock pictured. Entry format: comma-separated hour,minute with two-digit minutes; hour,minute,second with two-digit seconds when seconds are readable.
6,02
